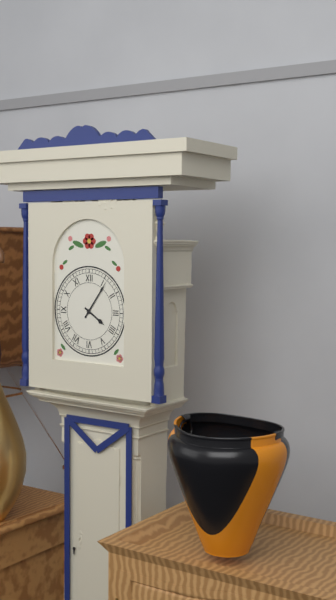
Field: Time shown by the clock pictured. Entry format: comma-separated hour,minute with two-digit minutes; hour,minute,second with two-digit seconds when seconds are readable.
4,06
